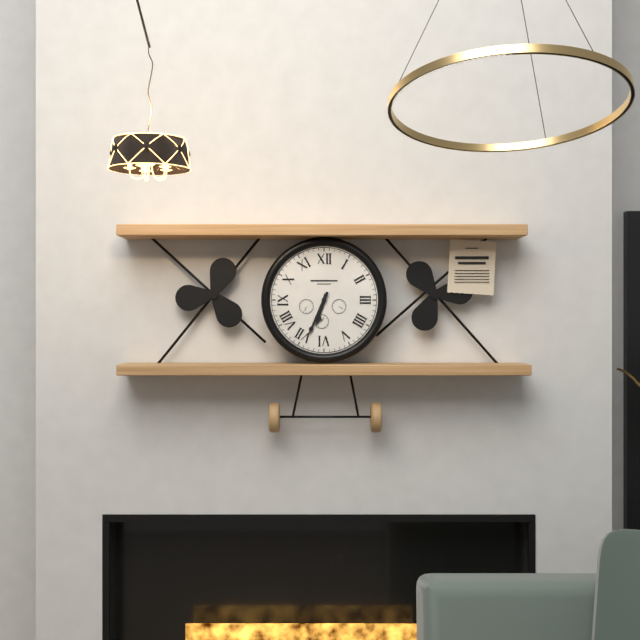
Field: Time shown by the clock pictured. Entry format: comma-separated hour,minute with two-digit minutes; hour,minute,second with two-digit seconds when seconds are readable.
6,34
